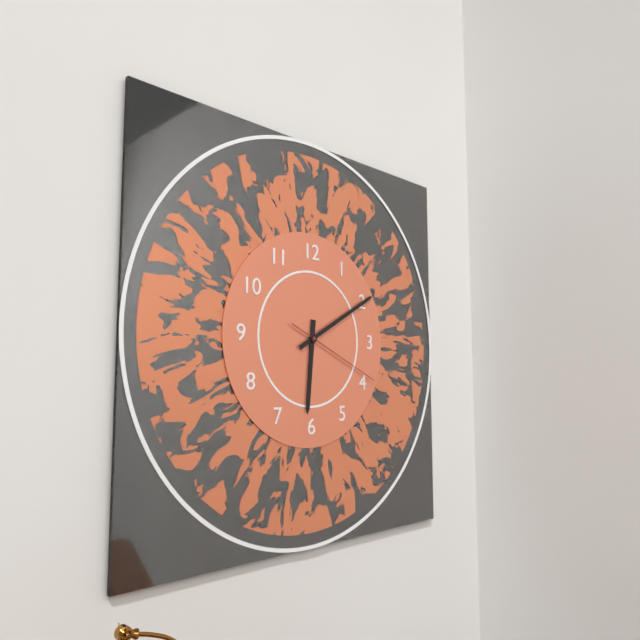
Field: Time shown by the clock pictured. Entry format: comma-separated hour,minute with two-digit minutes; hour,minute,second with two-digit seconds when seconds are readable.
6,10,19
